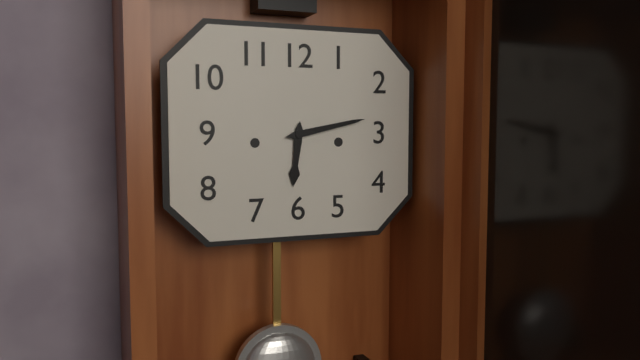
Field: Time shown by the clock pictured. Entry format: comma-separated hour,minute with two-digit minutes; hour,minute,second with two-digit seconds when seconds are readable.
6,13
